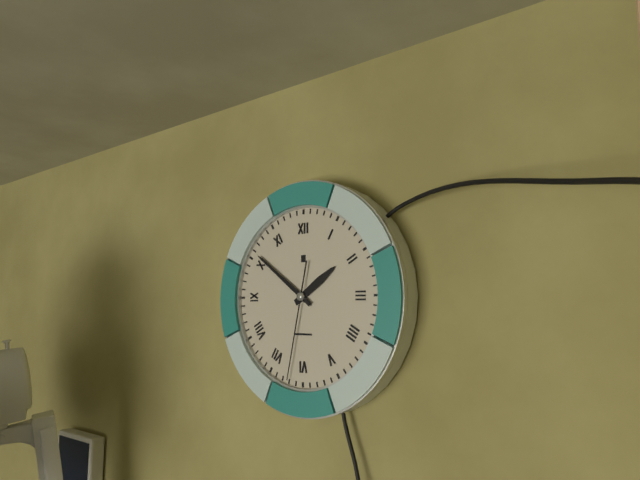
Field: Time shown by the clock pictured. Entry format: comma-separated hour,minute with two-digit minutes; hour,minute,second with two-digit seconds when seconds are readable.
1,51,32
